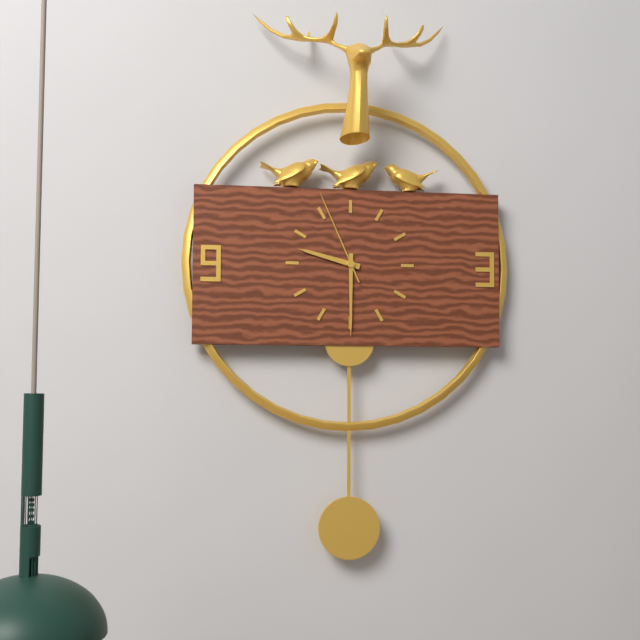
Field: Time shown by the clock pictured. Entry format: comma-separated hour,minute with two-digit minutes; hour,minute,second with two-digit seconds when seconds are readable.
9,30,56
